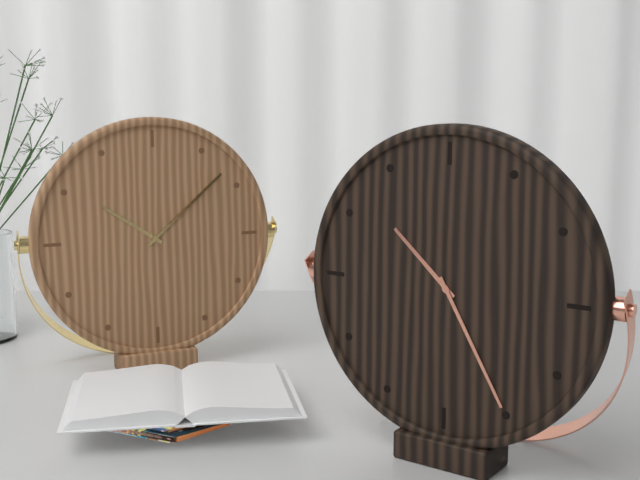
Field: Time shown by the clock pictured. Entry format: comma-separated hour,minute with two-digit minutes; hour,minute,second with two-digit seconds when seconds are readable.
10,25
